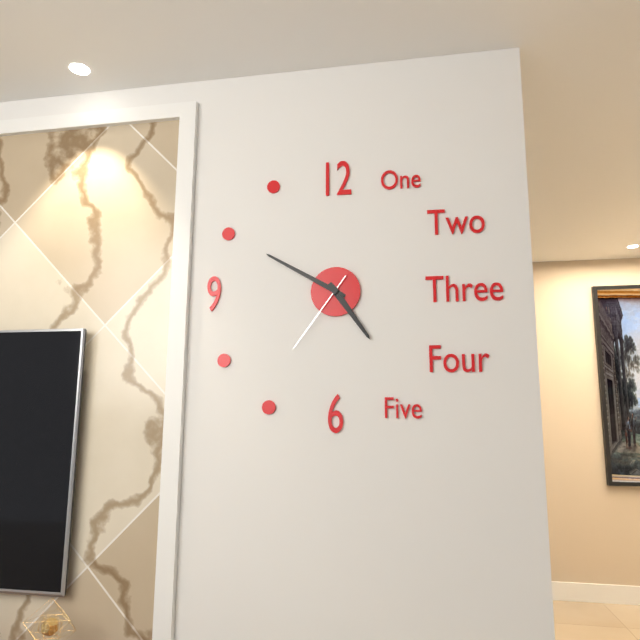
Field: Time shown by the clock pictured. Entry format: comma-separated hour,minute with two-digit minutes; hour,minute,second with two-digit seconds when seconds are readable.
4,50,36
